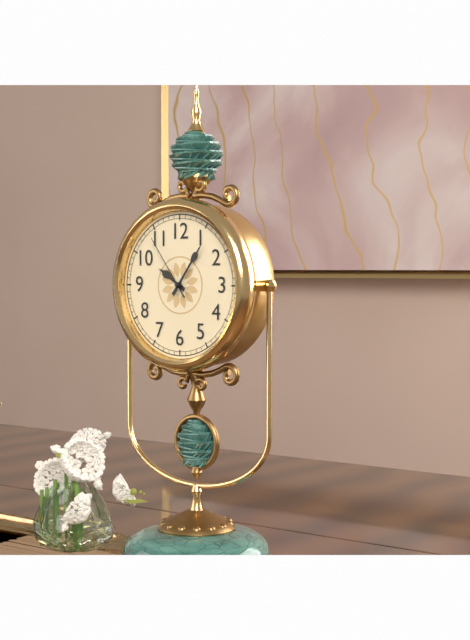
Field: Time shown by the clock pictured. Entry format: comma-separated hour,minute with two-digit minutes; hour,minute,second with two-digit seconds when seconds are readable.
10,06,54
